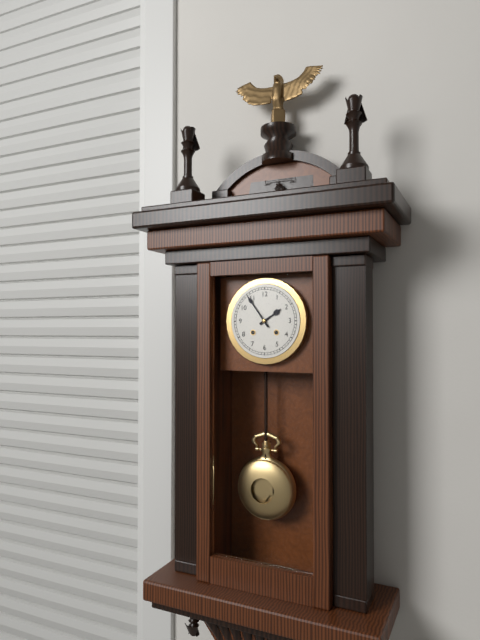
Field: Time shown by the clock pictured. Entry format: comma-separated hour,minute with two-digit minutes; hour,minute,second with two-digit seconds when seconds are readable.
1,54
